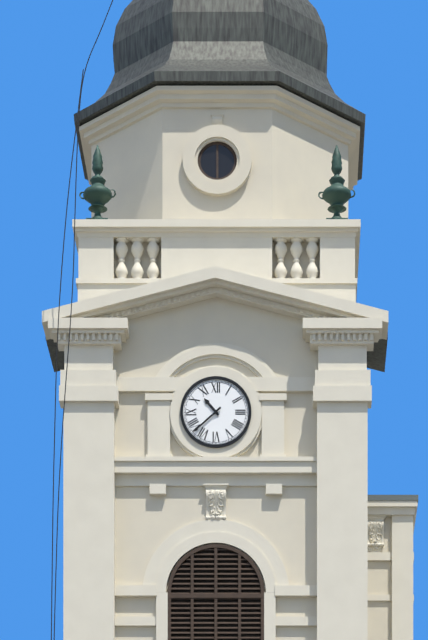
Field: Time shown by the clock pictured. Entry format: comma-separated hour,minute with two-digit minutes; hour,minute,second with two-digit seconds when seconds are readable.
10,38
